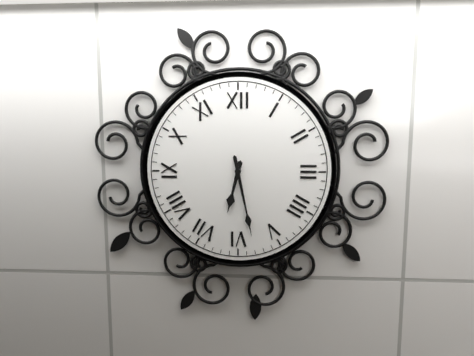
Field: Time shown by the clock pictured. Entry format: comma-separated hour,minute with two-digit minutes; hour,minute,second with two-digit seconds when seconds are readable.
6,28
